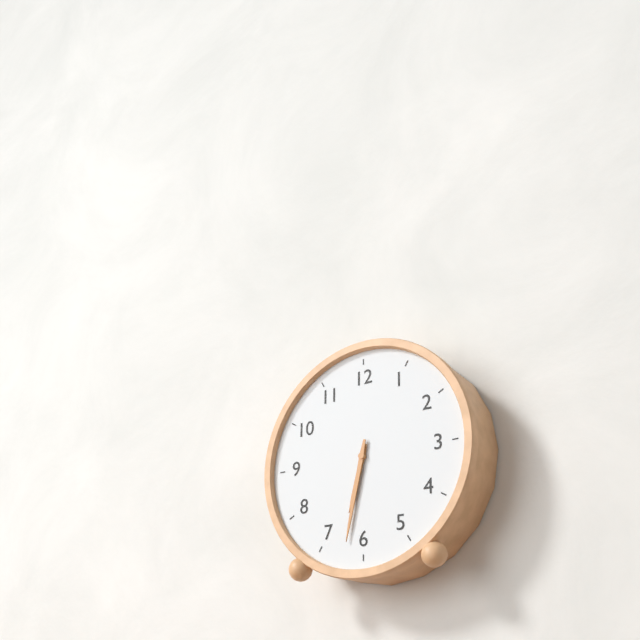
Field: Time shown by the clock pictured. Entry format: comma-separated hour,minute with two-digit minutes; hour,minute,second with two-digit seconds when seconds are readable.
6,32
